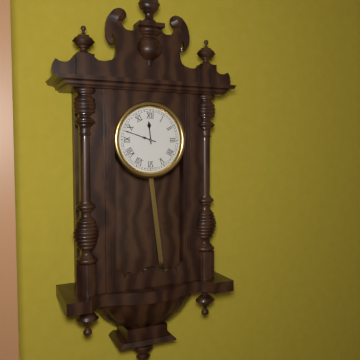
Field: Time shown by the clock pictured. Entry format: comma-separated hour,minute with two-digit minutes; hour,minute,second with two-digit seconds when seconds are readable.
11,48
